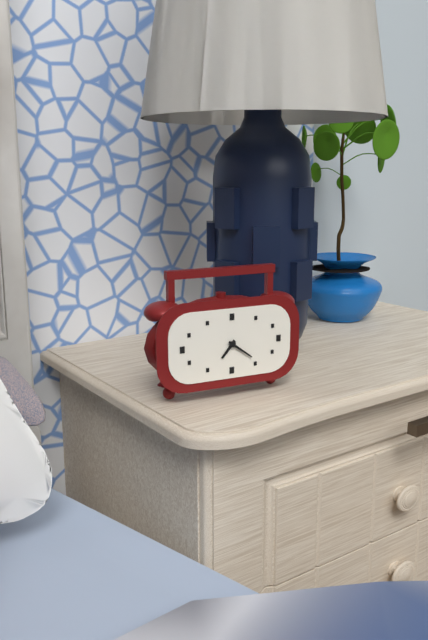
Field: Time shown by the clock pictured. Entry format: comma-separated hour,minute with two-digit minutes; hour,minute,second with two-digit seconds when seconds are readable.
7,21
